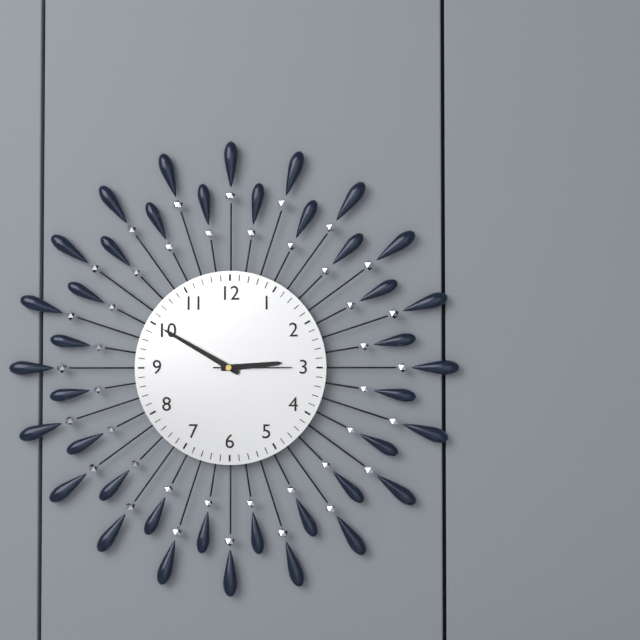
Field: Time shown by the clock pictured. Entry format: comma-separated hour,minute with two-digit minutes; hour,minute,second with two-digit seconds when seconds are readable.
2,50,15
